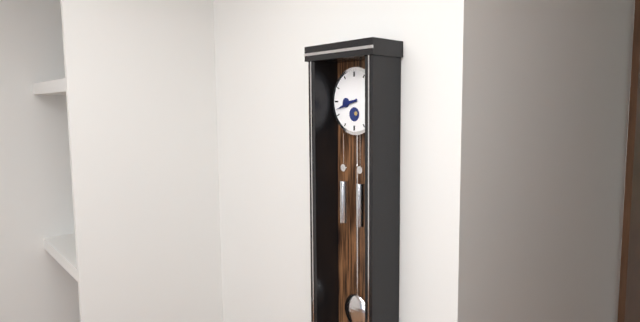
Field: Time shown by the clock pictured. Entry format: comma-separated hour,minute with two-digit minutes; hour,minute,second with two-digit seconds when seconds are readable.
8,42
